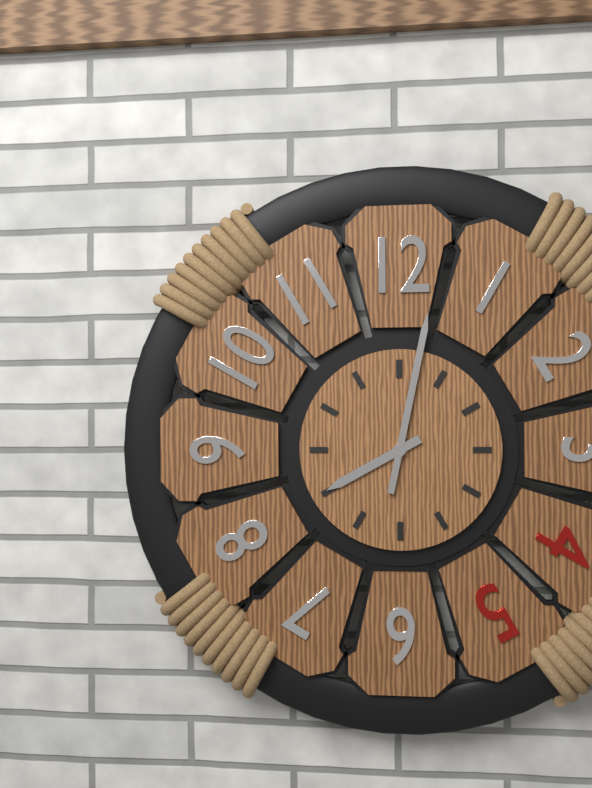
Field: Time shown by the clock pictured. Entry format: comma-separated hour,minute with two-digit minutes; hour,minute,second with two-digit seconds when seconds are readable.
8,02
